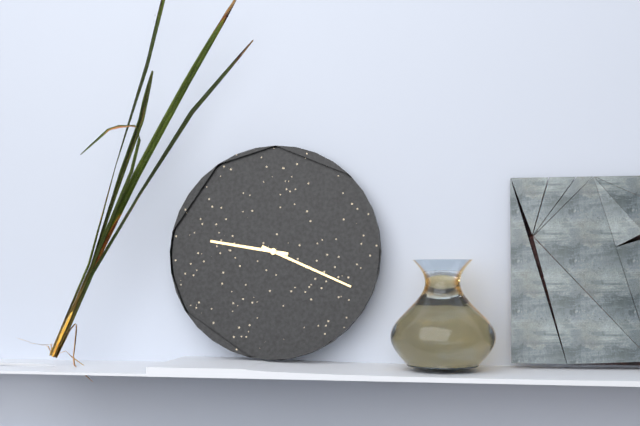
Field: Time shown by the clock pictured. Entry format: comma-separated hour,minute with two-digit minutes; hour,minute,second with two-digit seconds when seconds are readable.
9,19
